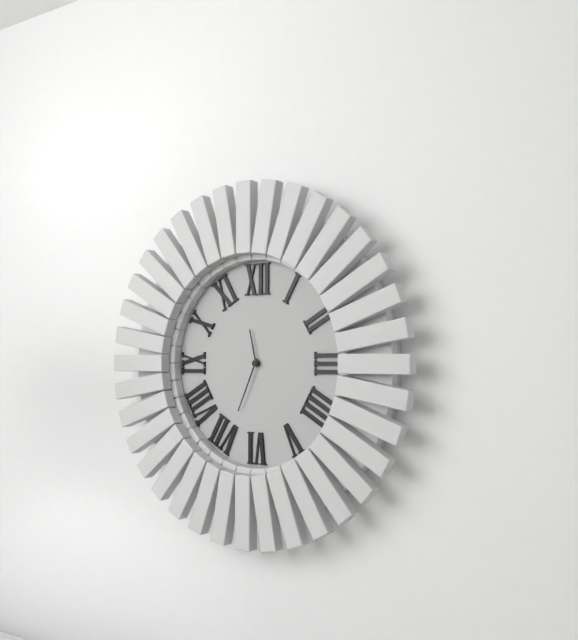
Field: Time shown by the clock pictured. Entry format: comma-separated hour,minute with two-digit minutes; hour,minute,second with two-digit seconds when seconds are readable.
11,34
